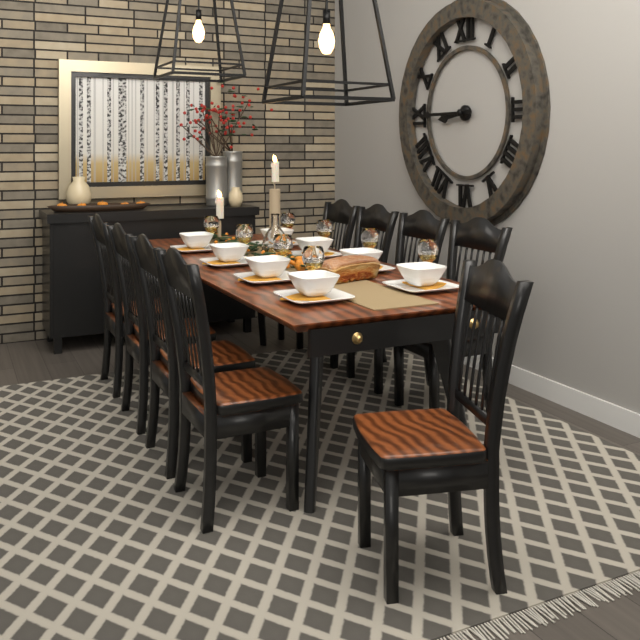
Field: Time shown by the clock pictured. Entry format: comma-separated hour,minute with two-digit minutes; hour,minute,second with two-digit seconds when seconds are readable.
8,45
